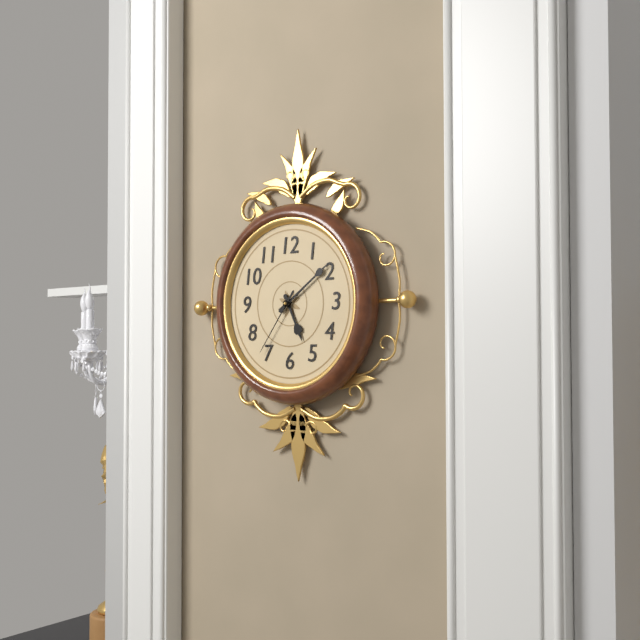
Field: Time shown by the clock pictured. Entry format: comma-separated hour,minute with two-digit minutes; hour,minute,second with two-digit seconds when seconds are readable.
5,09,36
